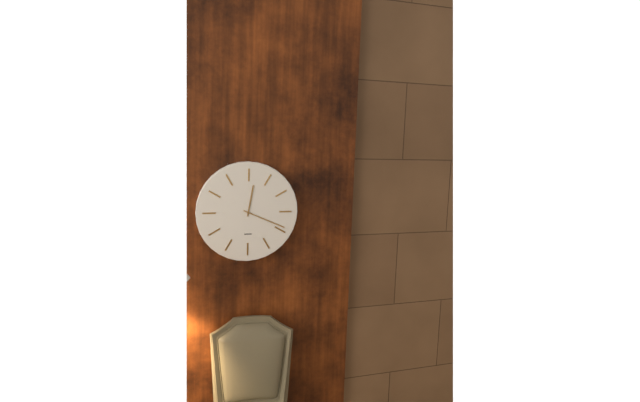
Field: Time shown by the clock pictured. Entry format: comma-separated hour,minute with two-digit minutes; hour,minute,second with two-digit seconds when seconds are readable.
12,19
